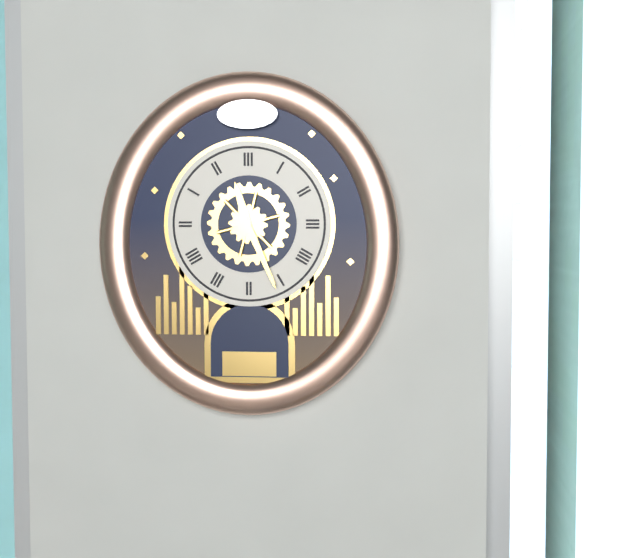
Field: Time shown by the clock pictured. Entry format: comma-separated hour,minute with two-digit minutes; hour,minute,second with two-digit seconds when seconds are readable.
11,26
